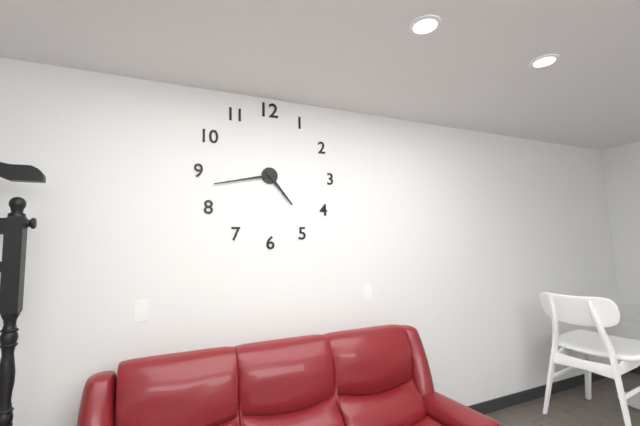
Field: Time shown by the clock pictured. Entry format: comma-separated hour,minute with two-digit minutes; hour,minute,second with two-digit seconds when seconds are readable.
4,43
